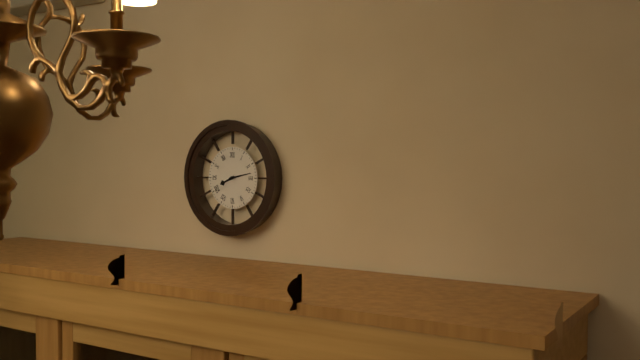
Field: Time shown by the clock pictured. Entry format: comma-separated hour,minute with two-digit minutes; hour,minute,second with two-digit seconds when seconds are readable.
8,13
